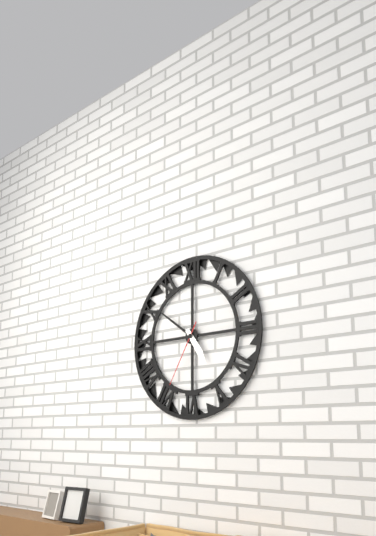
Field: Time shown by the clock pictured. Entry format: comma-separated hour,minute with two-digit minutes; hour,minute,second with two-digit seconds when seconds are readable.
4,51,35
